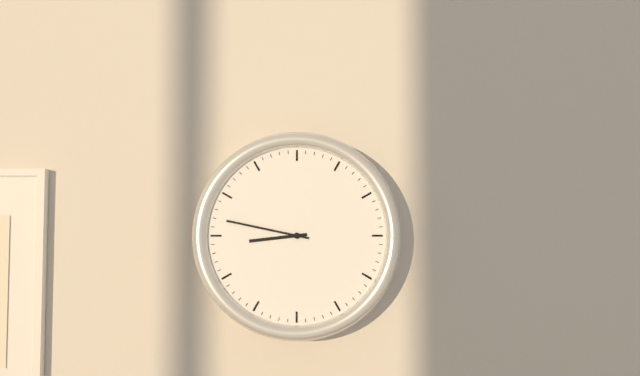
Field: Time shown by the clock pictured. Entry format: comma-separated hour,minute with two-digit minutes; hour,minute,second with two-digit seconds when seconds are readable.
8,47
